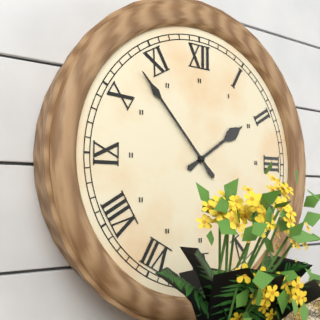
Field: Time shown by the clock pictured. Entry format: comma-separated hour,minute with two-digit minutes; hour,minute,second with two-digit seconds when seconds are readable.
1,53
